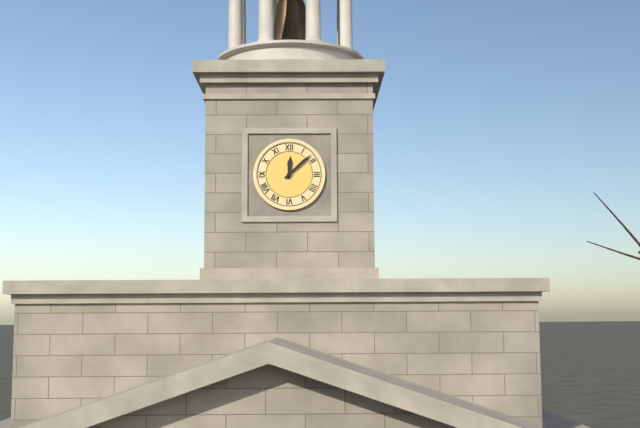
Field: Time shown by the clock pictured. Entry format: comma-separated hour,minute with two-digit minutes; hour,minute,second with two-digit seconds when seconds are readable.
12,08
